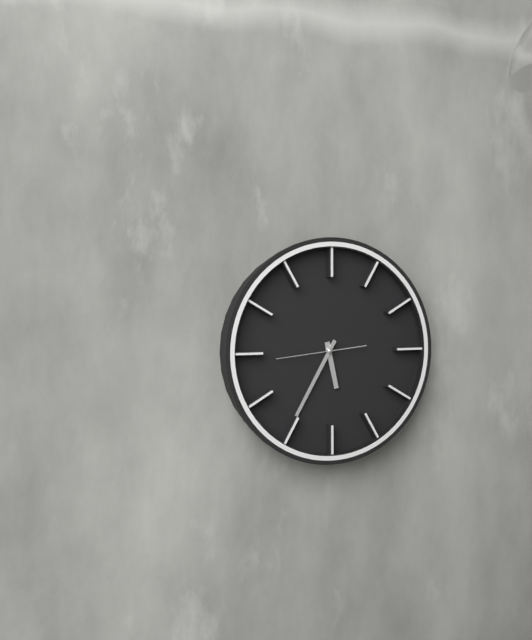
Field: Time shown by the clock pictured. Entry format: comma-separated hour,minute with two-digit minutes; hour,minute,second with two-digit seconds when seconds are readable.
5,35,44
